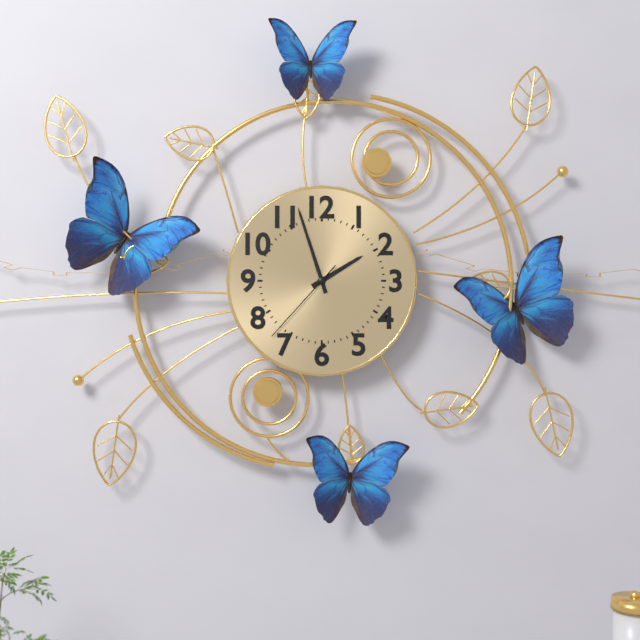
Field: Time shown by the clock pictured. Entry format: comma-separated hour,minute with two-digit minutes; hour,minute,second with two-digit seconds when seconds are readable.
1,57,37
